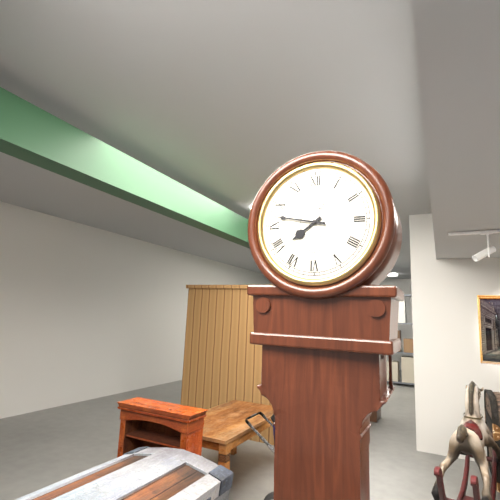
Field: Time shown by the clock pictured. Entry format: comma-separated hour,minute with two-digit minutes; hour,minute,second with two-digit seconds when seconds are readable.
7,47
